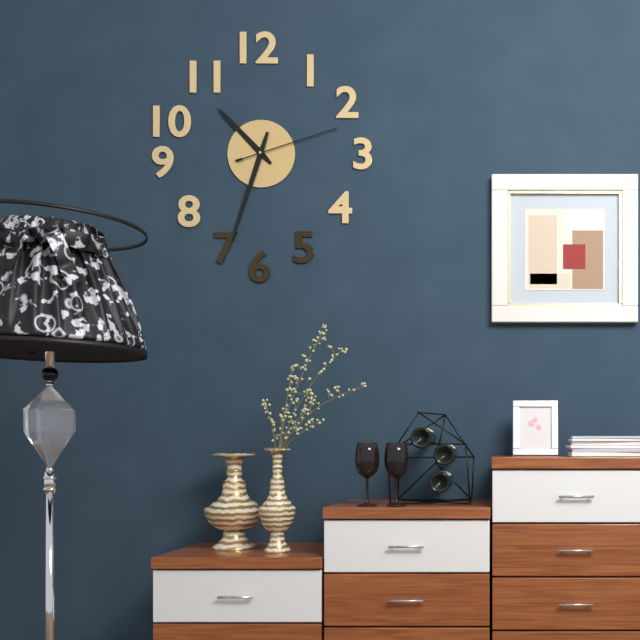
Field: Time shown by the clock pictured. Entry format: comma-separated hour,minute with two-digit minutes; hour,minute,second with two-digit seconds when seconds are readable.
10,33,12
